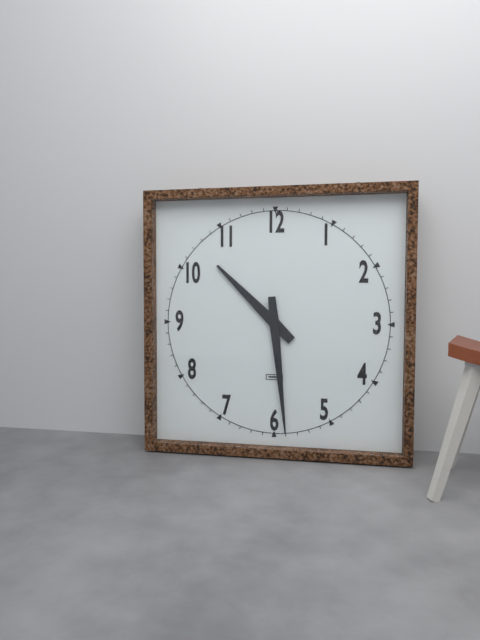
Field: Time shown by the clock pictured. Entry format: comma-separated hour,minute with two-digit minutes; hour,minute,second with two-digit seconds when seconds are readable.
10,29
